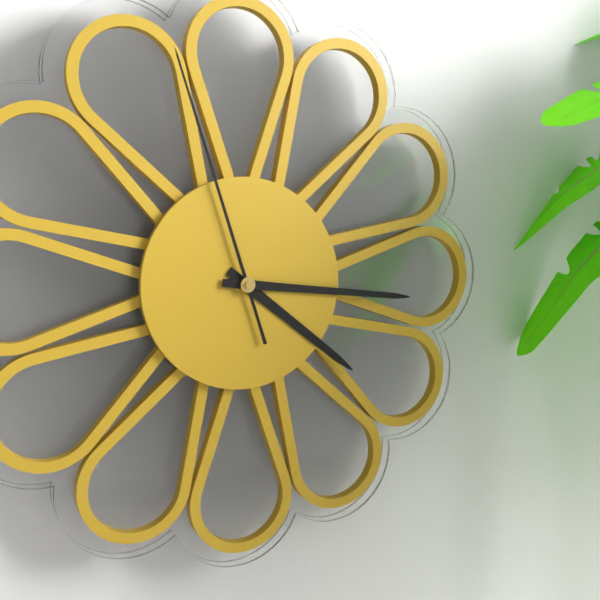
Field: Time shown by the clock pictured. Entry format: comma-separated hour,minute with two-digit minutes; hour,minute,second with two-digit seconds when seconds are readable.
4,16,57
